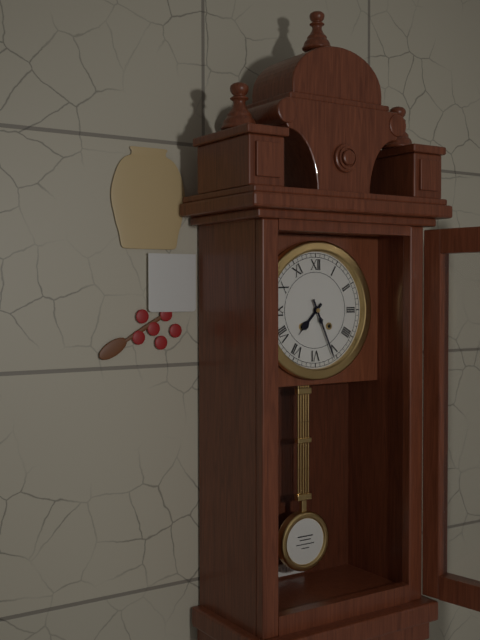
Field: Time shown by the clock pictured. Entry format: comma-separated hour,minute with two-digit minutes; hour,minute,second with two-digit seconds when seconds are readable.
7,26
